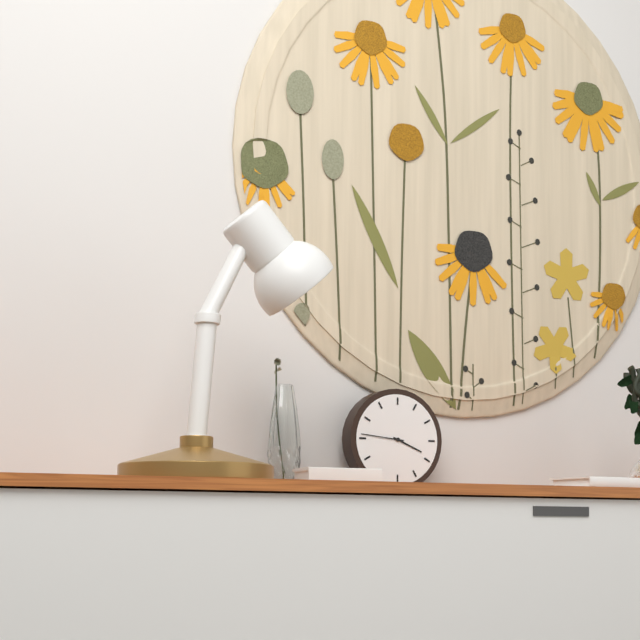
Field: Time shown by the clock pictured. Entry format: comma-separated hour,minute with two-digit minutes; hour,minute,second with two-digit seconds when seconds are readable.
3,46
